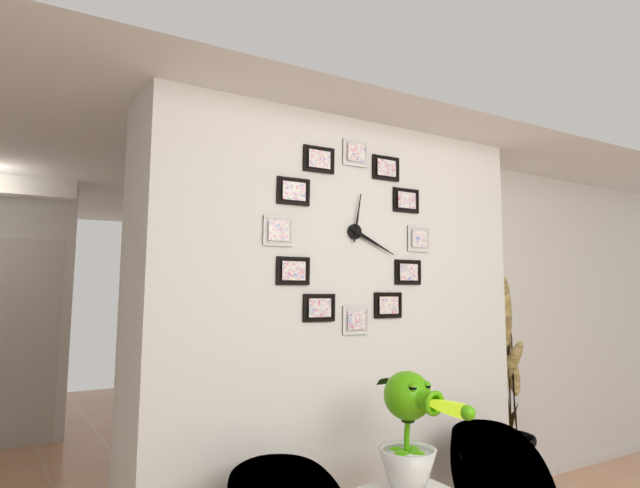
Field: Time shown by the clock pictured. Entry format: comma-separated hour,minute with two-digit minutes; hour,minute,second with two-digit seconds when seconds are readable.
12,19
